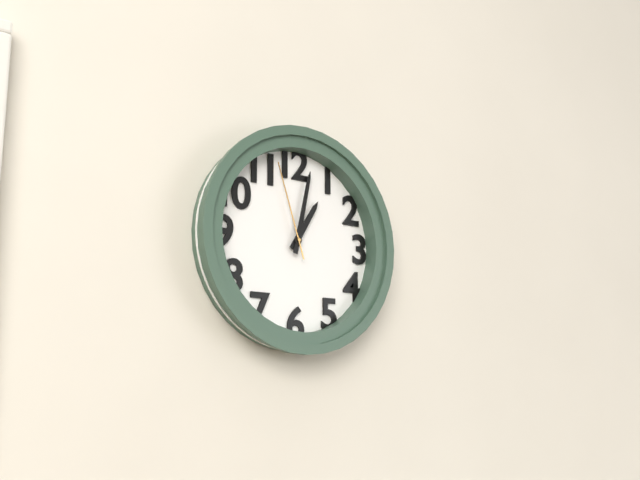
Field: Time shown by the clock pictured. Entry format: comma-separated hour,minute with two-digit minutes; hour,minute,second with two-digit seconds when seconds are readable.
1,02,57
